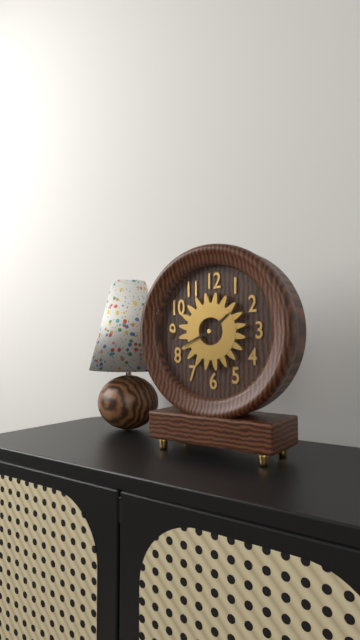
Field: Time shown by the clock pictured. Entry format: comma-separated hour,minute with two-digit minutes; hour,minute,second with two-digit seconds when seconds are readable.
1,41
